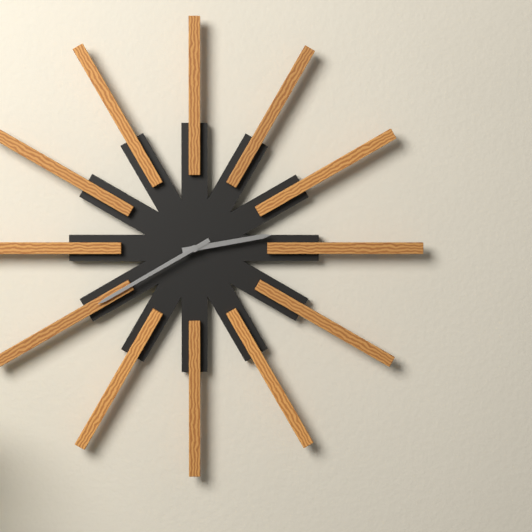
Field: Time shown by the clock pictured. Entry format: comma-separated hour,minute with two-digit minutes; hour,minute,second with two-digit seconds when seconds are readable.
2,40
